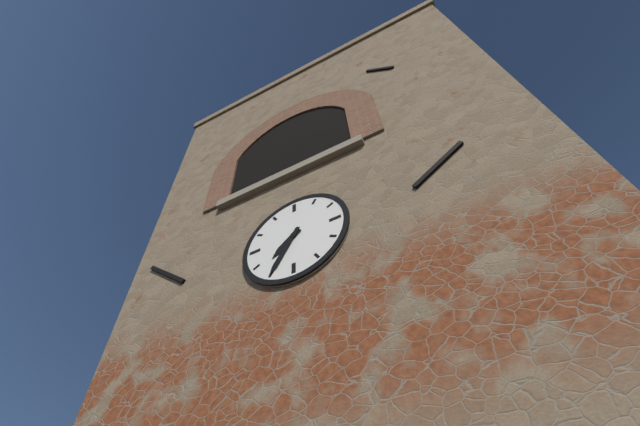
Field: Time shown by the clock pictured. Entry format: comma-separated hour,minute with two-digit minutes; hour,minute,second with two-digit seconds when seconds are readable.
7,35
